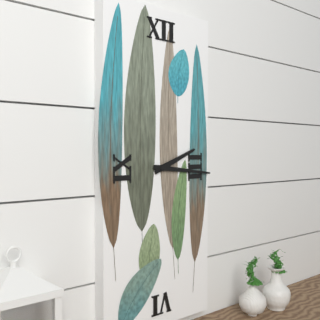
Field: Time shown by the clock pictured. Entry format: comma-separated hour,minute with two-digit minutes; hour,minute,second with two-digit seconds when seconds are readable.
2,16
